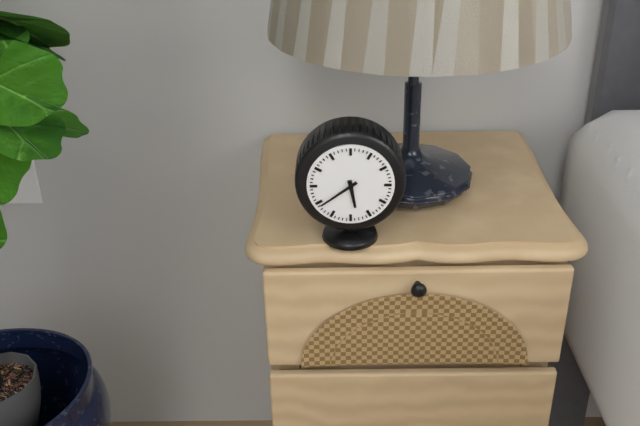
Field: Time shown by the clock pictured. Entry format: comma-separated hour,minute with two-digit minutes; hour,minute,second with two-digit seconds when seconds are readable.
5,39
